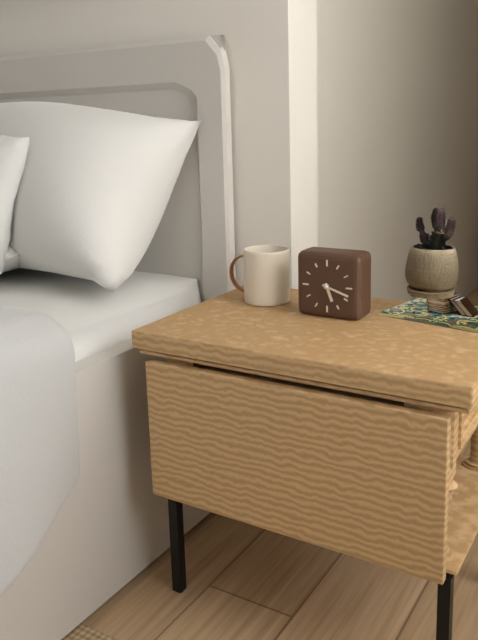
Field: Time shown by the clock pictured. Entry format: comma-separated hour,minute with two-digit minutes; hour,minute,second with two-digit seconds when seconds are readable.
5,18
